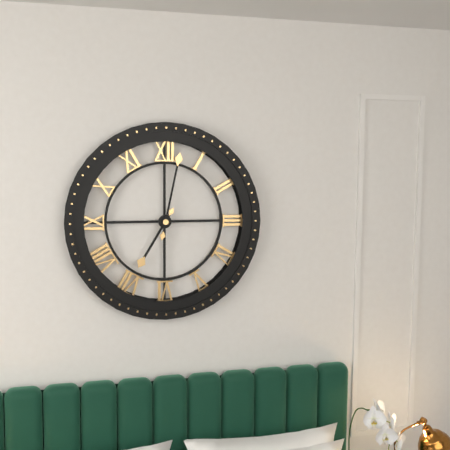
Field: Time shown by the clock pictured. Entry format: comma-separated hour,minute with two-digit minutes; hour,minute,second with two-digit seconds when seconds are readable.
7,02
